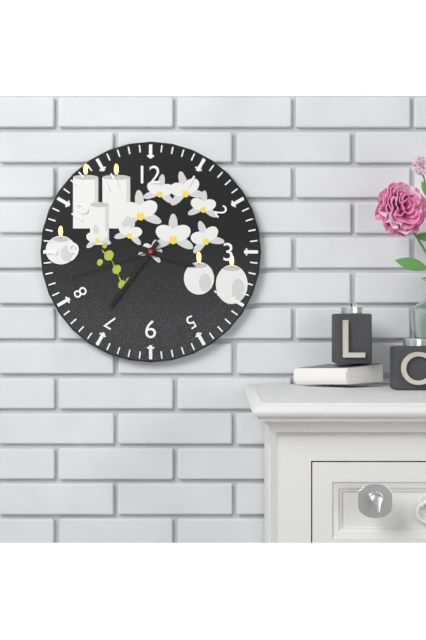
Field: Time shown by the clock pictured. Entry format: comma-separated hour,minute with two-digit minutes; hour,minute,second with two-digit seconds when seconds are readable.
3,36,42
